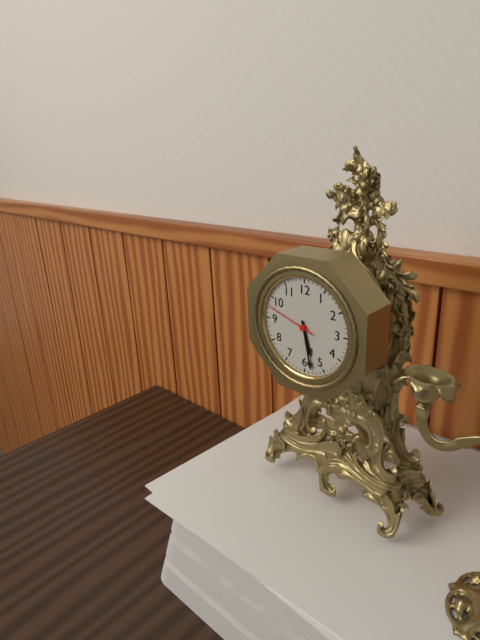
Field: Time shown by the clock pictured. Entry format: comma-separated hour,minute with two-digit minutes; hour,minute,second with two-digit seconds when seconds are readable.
5,28,48
